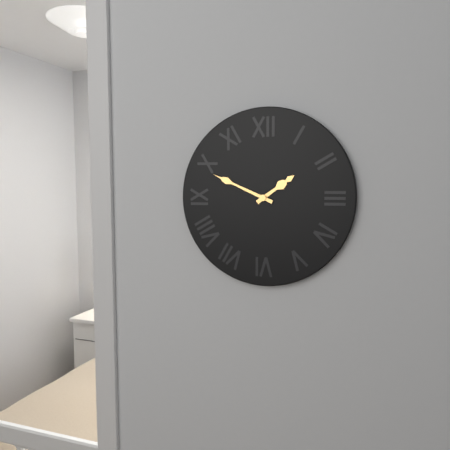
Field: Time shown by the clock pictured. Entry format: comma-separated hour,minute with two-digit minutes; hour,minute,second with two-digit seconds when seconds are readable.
1,49
